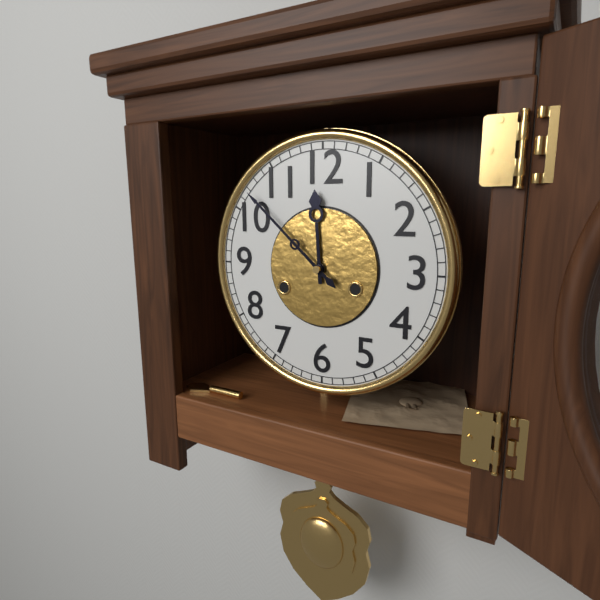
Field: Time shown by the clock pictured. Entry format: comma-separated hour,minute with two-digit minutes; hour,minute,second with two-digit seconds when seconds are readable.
11,52
